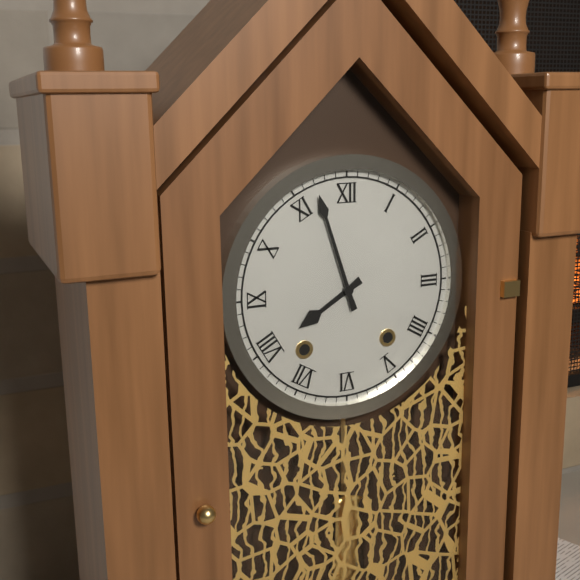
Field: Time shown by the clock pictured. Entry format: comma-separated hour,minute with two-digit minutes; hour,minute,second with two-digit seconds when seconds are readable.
7,57
